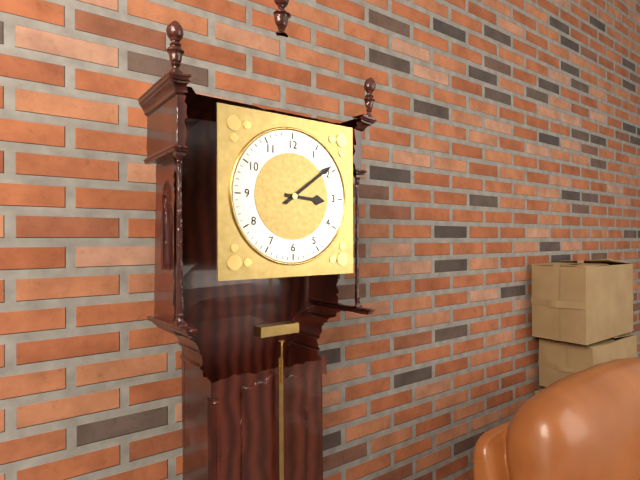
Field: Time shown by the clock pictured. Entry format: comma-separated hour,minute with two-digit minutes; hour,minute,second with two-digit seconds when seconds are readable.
3,09
